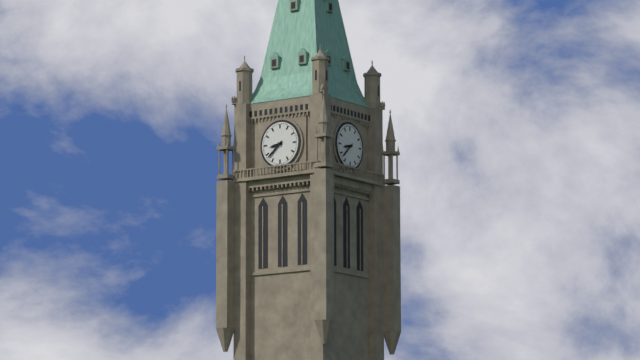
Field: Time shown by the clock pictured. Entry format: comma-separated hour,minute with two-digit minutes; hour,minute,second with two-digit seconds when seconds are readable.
8,38
